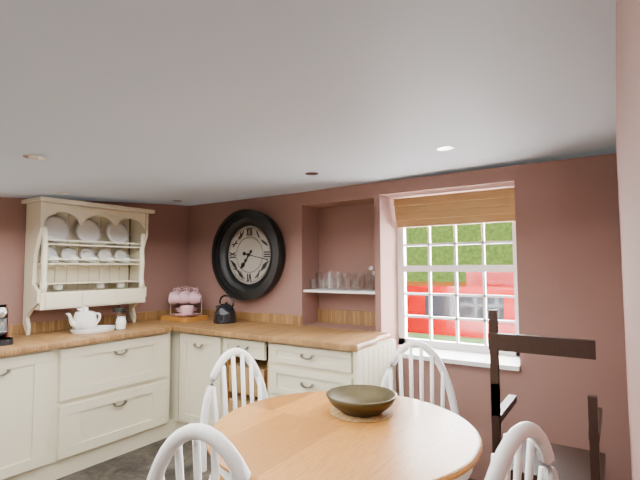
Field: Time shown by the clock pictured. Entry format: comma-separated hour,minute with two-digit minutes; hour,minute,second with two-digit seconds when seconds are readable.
7,17
